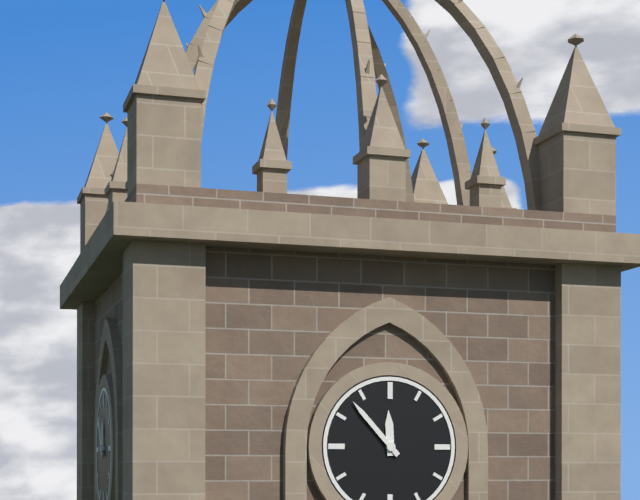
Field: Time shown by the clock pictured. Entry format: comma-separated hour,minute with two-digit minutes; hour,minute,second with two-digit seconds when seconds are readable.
11,53
